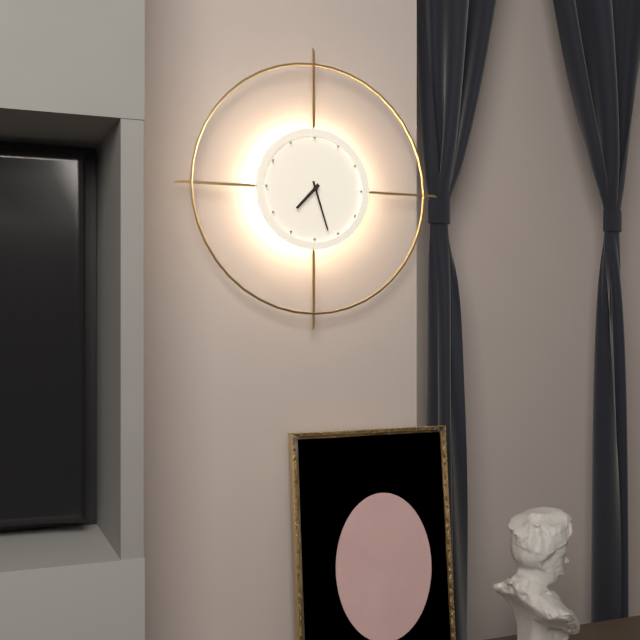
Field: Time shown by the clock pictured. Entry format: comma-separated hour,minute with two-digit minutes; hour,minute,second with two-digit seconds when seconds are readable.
7,27
